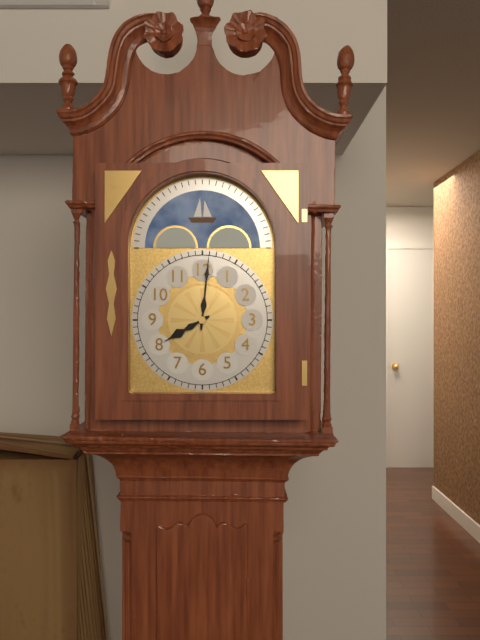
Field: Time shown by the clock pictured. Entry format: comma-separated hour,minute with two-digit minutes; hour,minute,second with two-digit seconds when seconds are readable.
8,01
